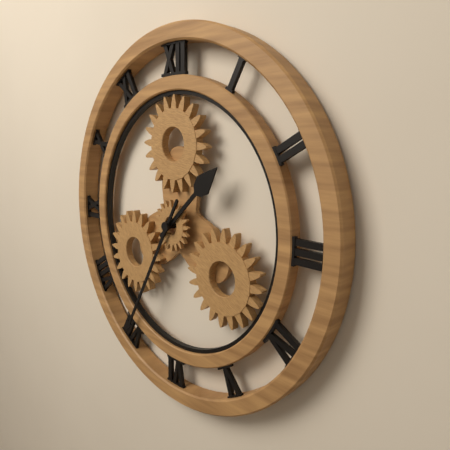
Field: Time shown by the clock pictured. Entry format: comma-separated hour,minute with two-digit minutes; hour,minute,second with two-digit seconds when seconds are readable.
1,35
